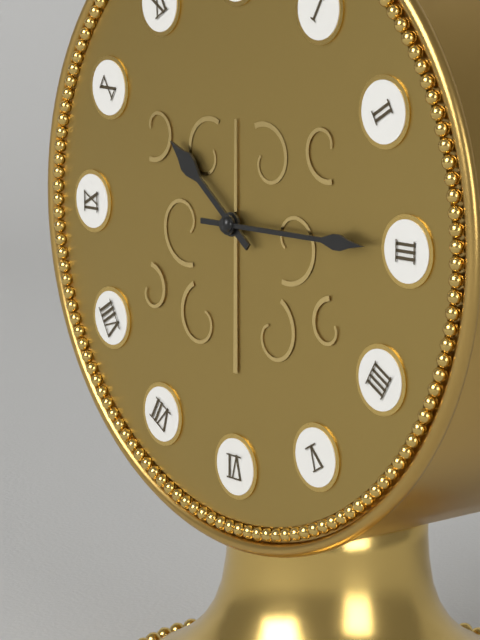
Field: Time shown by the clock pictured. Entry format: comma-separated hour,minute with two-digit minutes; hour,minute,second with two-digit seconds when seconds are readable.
10,15
